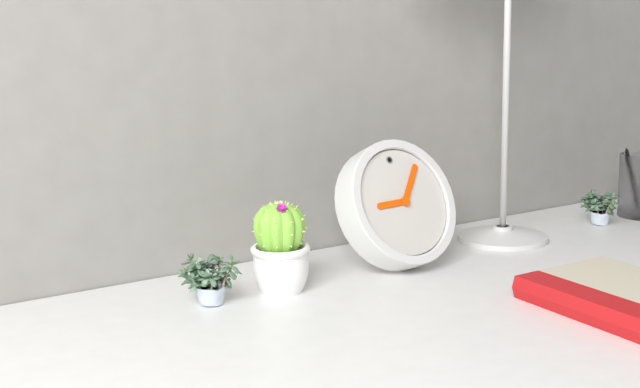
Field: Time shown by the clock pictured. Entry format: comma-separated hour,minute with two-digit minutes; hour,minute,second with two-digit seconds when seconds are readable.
9,07
